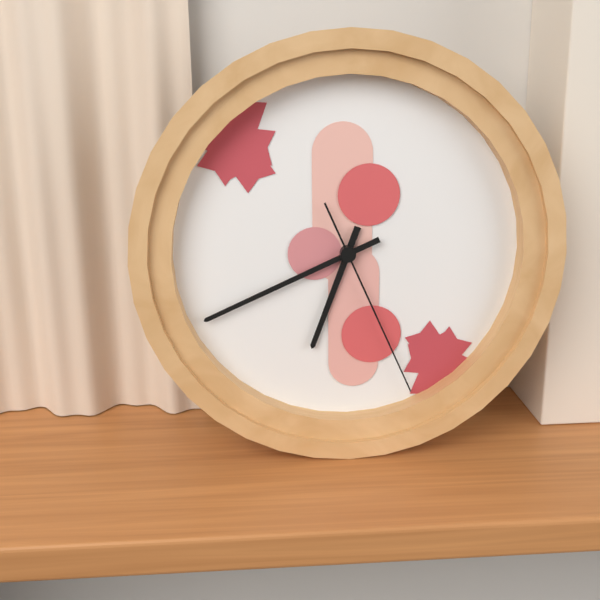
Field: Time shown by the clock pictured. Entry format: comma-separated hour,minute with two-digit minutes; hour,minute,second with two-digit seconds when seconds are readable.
6,41,26
